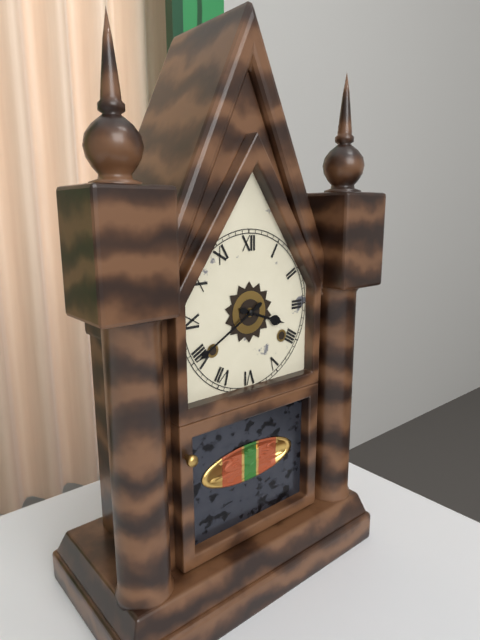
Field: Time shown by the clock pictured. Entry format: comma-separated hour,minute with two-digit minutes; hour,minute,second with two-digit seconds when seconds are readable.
3,40
